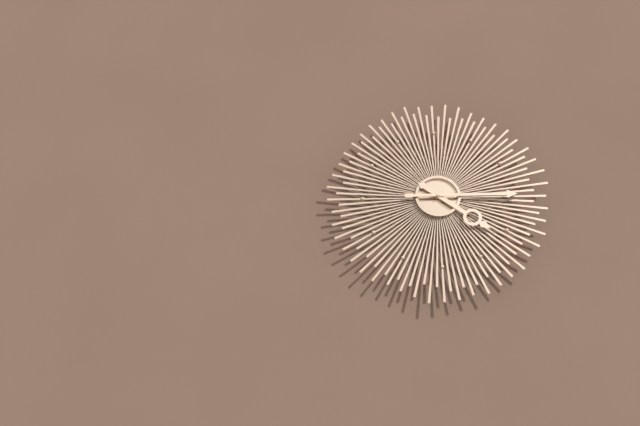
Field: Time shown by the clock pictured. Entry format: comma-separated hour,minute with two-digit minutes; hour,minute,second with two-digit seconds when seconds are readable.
4,15
